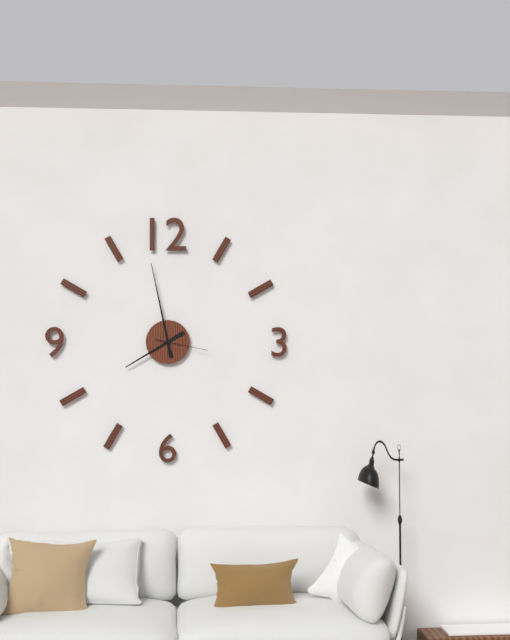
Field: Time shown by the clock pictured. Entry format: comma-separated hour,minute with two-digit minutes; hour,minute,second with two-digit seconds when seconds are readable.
7,58,17
